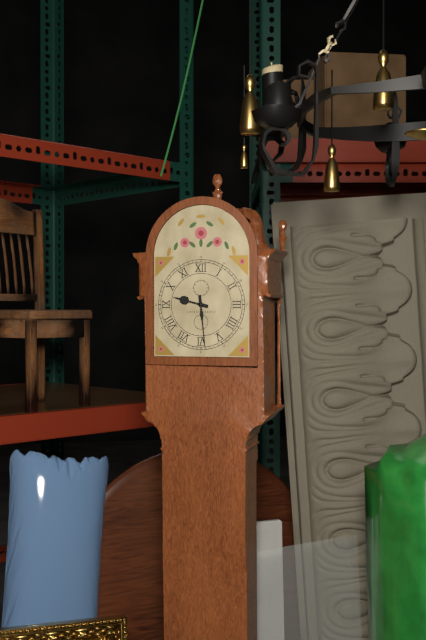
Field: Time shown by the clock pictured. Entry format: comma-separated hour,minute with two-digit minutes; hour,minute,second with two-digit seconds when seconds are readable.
9,29
